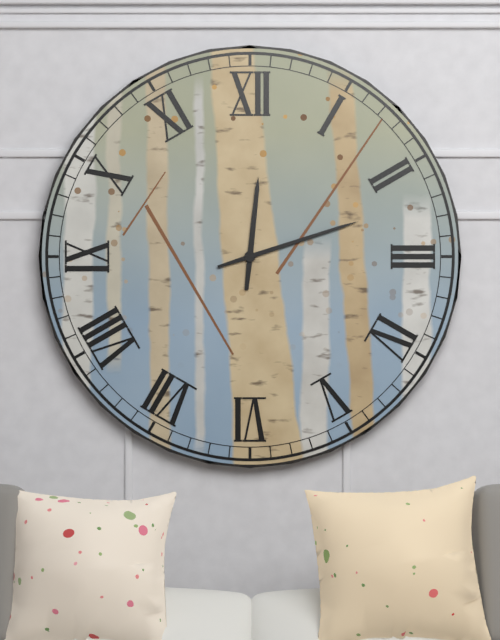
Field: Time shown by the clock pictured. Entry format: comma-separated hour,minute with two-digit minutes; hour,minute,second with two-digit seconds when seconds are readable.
12,12
